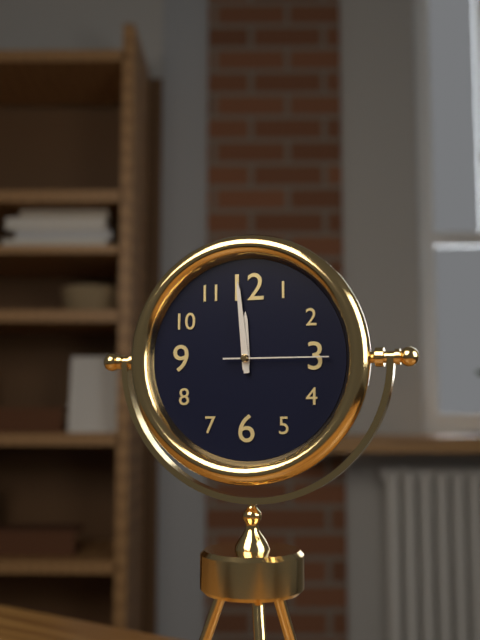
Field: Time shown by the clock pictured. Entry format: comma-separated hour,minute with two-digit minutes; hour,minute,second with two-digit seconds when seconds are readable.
11,59,15
